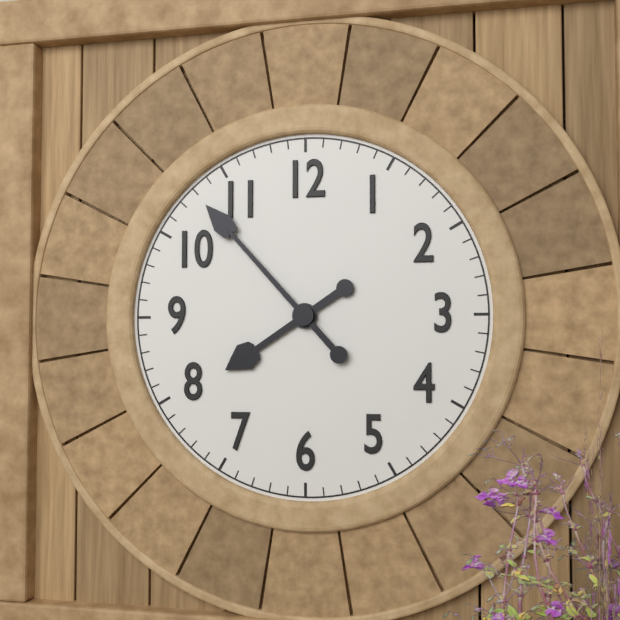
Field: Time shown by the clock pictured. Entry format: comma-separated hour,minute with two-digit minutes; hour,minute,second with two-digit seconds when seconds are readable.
7,53
